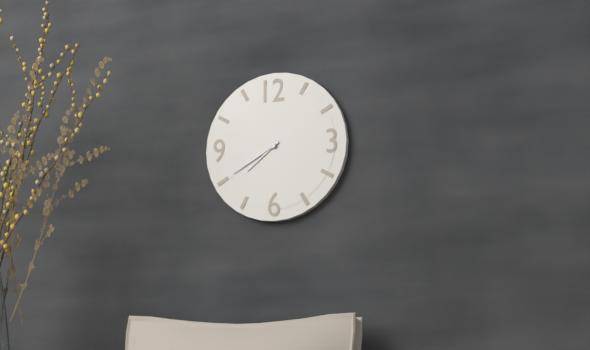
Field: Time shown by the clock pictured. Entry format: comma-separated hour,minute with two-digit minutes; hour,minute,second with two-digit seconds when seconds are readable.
7,40
